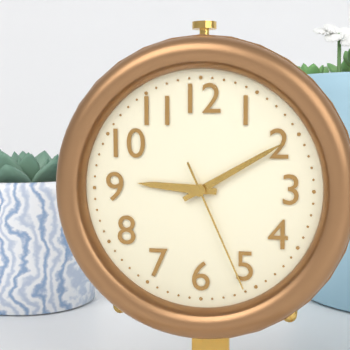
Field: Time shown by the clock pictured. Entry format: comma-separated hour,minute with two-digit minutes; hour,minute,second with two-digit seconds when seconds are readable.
9,10,26
